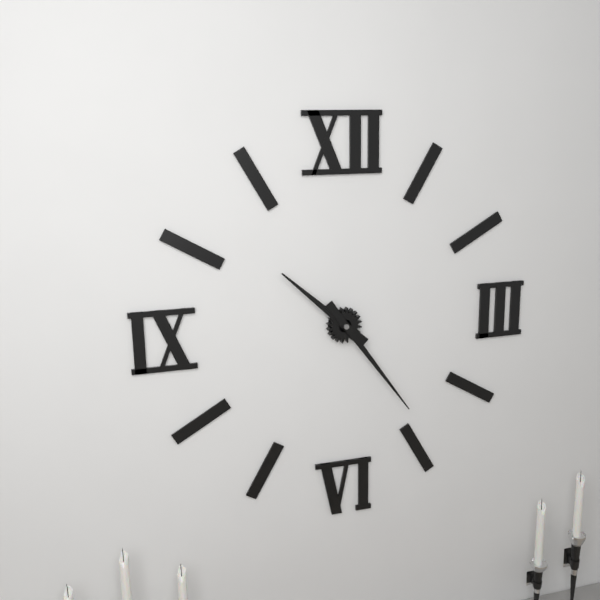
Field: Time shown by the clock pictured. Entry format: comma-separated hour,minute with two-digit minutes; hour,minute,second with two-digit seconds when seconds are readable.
10,24
